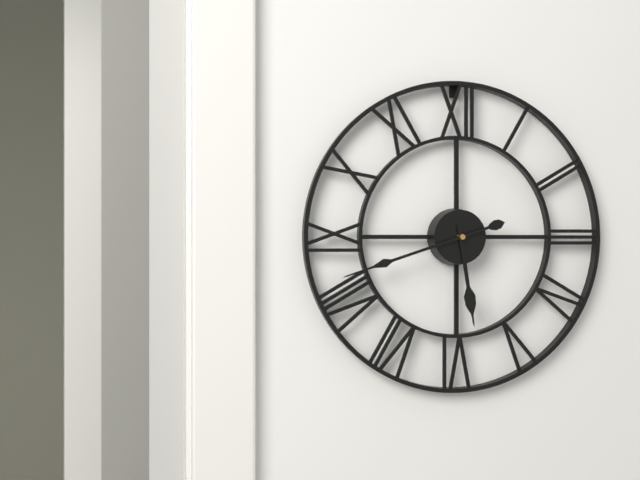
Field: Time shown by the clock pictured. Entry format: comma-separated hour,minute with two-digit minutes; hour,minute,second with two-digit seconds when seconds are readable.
5,42
